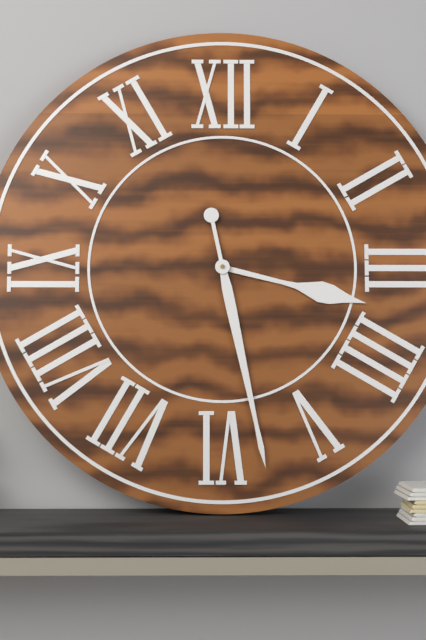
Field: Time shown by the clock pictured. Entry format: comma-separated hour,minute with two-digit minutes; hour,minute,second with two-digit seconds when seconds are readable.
3,28
